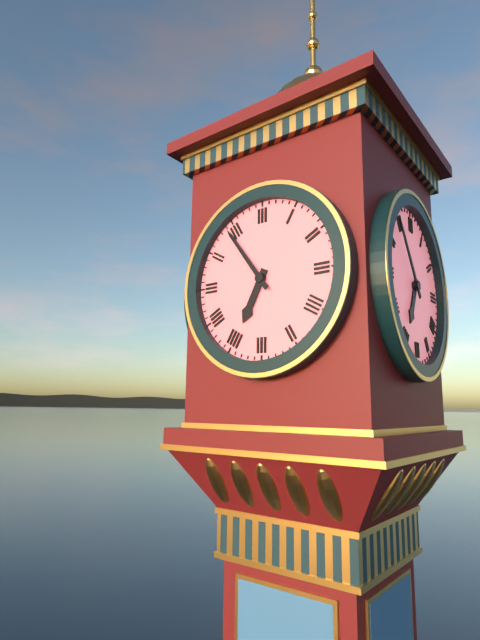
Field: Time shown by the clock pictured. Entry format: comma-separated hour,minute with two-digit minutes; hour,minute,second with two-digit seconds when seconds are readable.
6,54
